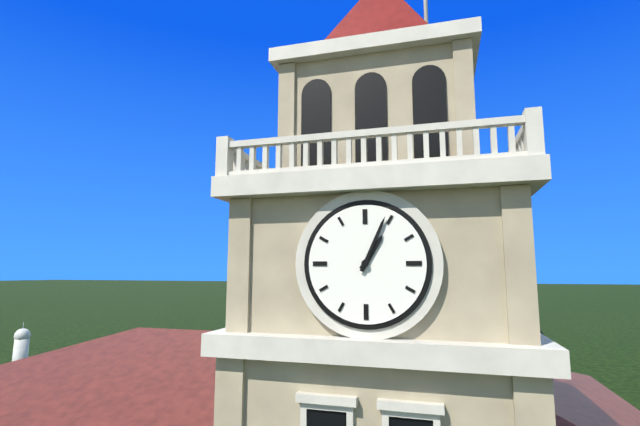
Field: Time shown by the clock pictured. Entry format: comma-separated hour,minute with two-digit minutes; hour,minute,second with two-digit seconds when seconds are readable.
1,04
